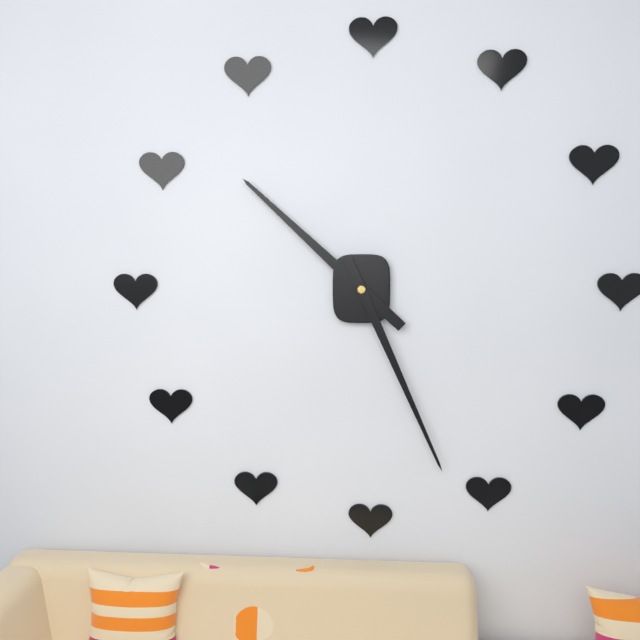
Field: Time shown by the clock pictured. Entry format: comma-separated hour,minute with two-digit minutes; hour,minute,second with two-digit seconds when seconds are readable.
10,26
